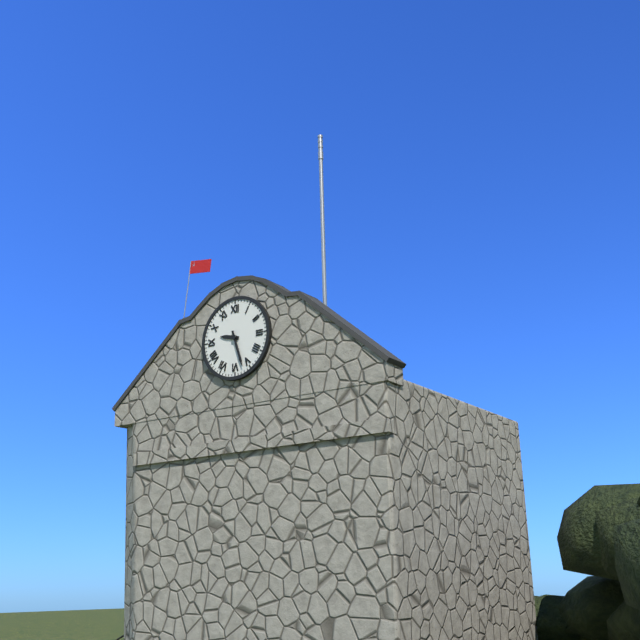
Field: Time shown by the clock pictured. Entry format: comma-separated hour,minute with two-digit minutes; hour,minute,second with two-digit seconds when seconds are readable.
9,27
